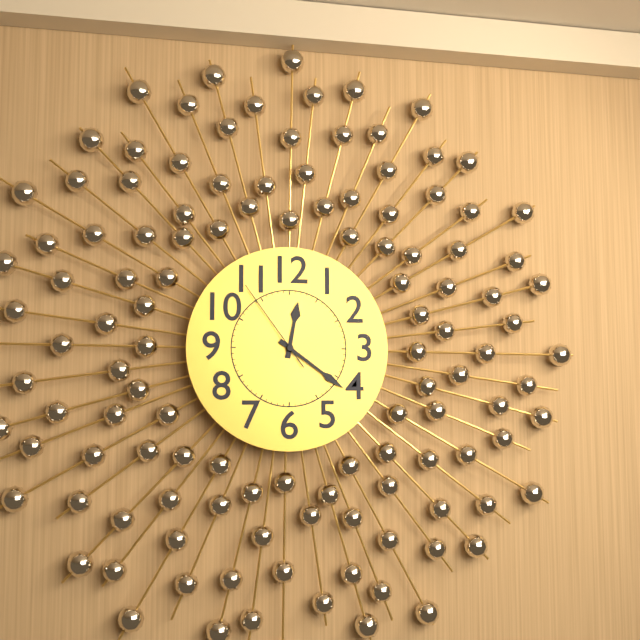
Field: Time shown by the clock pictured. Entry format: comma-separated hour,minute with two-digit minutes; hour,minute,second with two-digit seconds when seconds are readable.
12,21,54
